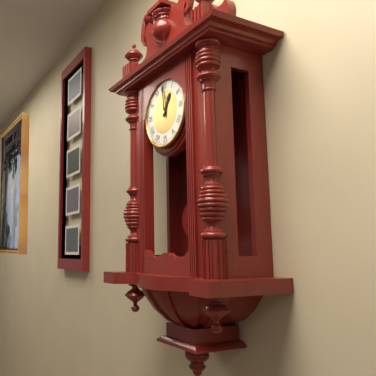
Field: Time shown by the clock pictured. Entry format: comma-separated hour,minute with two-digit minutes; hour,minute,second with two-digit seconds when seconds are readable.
12,59
